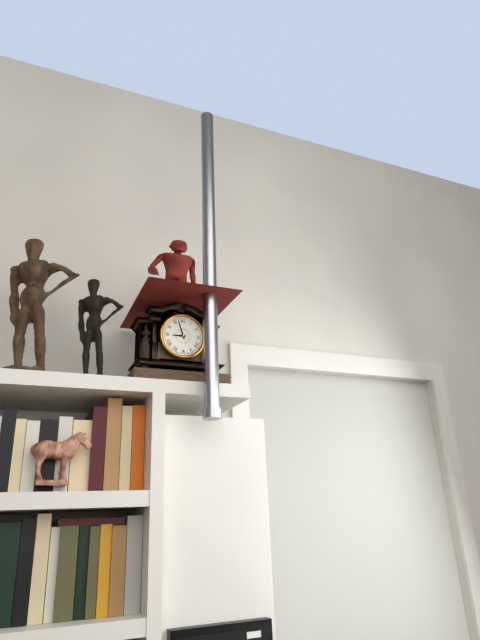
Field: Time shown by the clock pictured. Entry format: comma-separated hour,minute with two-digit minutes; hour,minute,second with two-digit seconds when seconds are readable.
8,57
